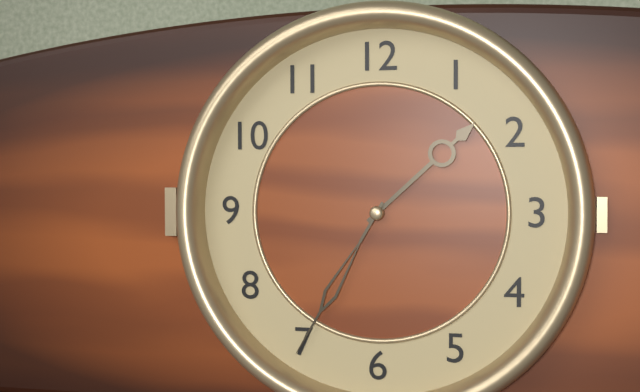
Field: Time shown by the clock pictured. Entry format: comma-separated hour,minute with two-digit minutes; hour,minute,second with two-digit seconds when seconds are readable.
1,35
